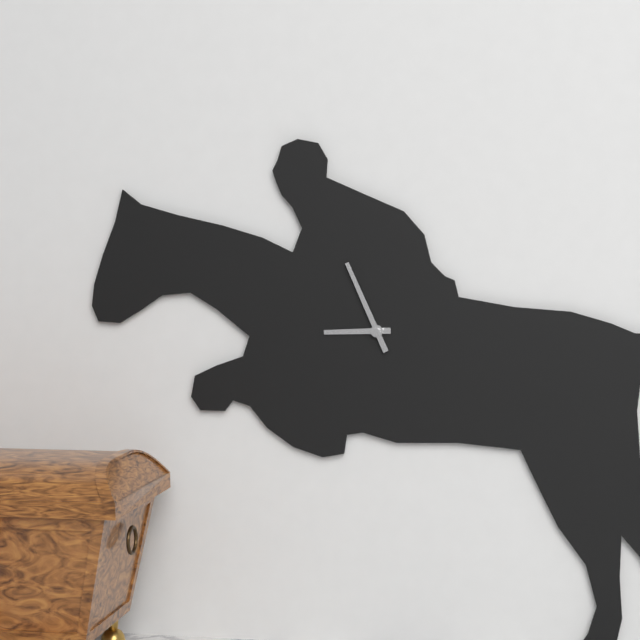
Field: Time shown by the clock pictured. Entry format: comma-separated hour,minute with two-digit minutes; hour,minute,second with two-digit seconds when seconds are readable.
8,56
